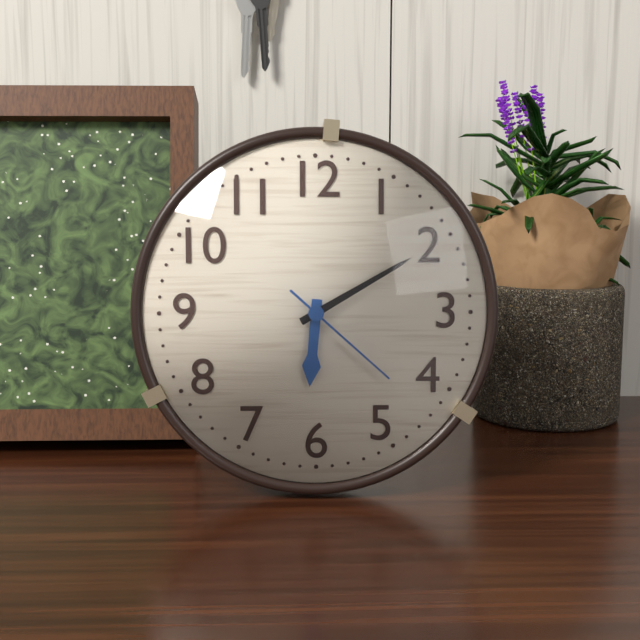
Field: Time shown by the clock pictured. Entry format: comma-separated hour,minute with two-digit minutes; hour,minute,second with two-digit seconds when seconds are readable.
6,10,22
